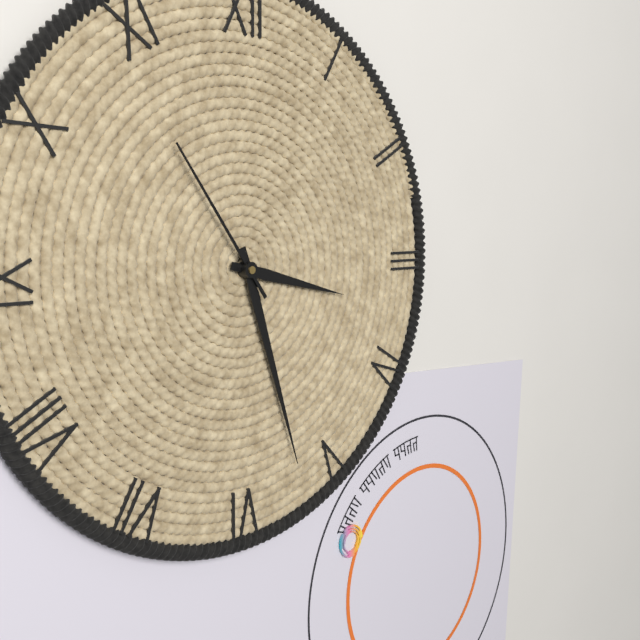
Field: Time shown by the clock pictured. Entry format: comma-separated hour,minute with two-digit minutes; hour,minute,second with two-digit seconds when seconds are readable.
3,27,54
